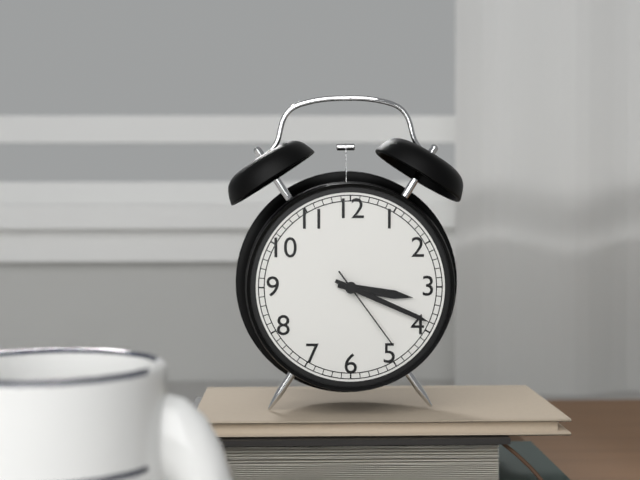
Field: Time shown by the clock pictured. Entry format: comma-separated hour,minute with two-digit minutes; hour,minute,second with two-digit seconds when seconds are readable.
3,19,24
